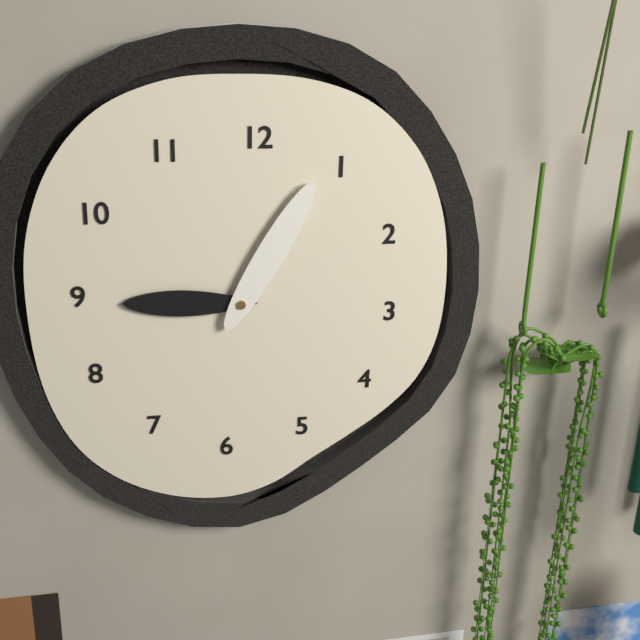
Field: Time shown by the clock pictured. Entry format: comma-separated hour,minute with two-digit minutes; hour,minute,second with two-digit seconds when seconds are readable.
9,05
